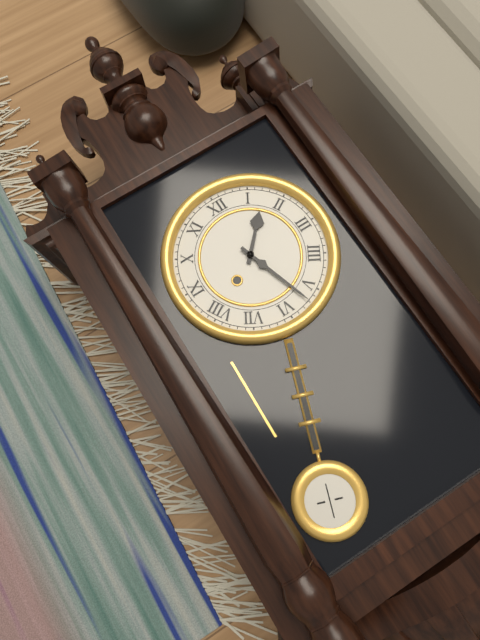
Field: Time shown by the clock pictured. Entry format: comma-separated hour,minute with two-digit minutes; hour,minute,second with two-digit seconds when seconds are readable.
1,27
